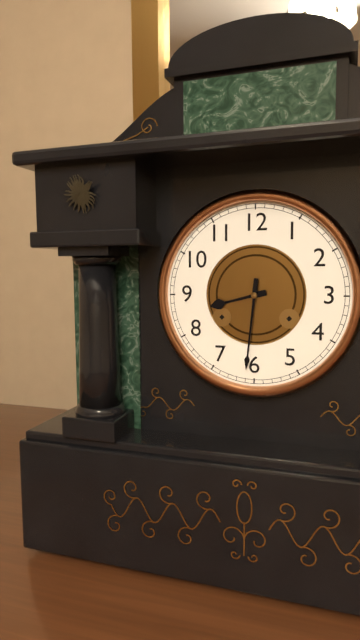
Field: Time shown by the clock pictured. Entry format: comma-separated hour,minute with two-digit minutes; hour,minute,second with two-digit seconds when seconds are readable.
8,31
